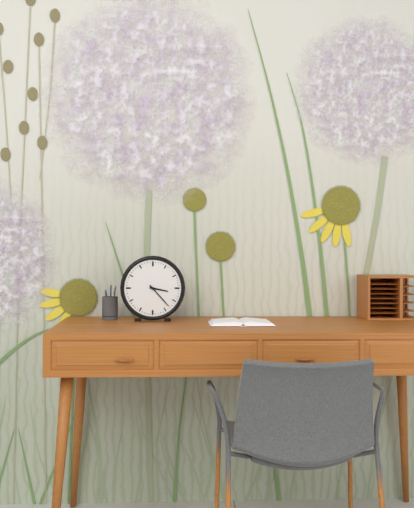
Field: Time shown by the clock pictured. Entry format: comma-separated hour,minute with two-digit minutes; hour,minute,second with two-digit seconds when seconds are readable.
3,23
